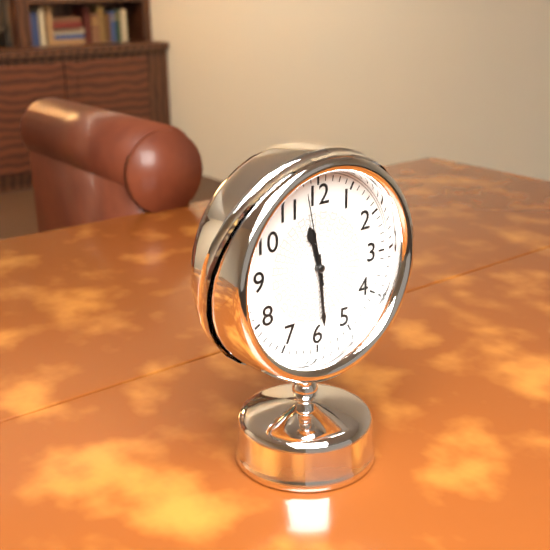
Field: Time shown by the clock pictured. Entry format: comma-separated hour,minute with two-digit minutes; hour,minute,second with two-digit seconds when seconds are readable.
11,29,58
